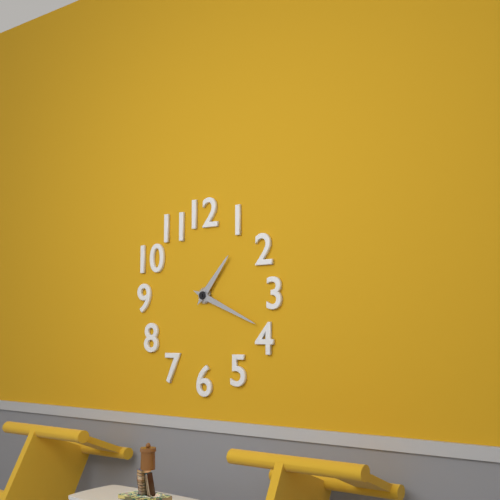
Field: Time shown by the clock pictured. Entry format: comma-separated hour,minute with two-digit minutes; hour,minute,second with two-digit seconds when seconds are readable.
1,19
